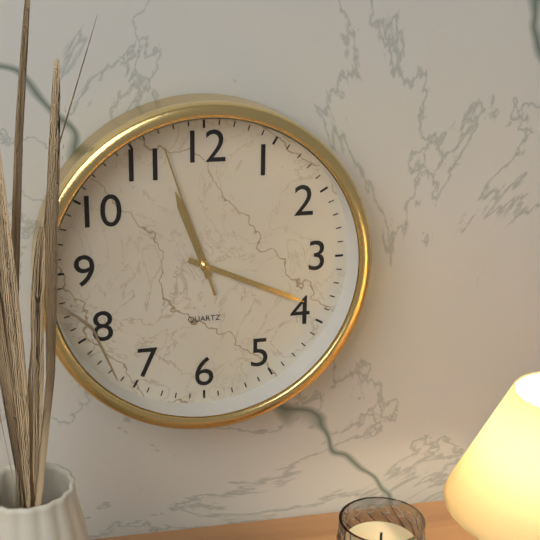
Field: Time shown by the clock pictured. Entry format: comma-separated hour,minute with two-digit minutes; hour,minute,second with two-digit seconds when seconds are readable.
11,19,57
